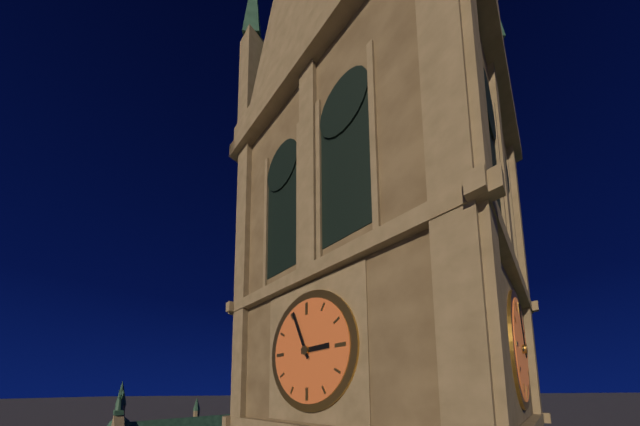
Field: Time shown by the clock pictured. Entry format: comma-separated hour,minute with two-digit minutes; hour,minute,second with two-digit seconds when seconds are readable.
2,56
